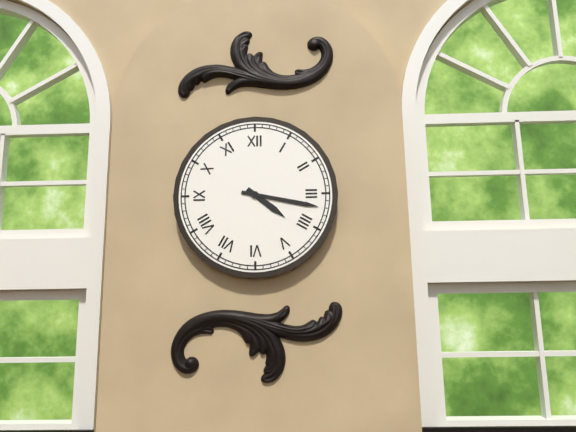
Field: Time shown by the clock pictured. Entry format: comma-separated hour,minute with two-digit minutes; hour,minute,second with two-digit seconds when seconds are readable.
4,17
